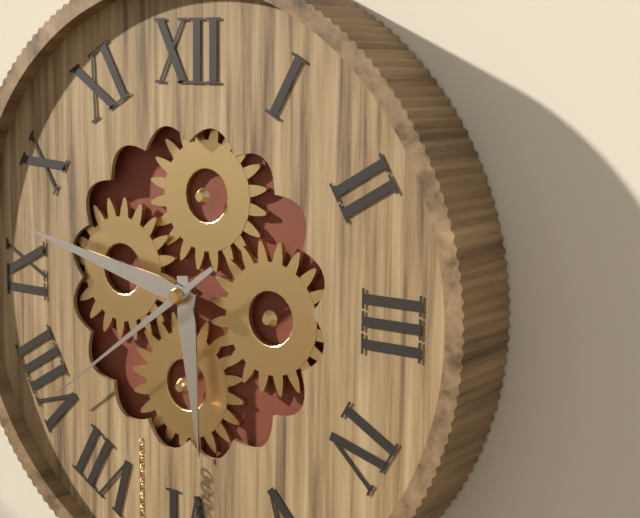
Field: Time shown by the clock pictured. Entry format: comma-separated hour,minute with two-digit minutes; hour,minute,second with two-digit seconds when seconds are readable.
5,47,39
